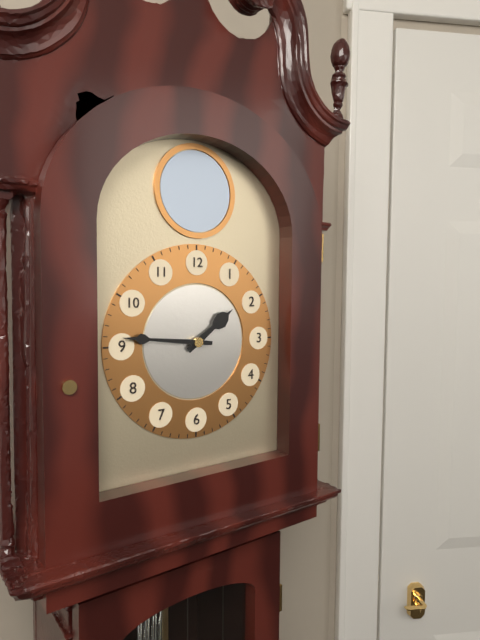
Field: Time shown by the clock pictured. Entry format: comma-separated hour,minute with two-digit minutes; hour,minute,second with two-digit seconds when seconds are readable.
1,46
